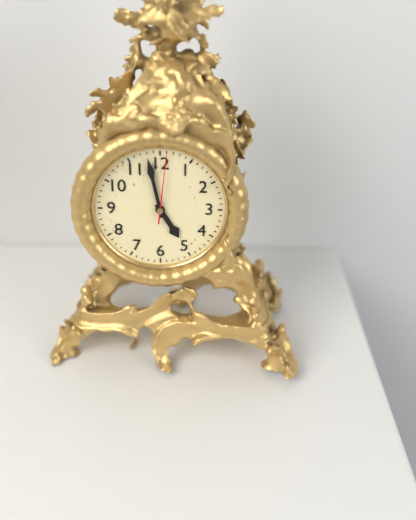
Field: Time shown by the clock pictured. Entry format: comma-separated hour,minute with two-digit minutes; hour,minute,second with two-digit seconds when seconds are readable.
4,58,01
